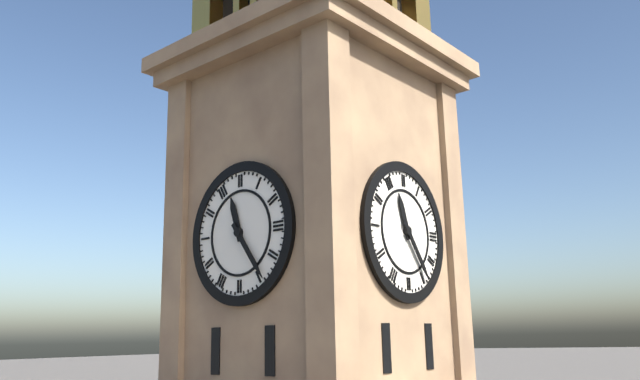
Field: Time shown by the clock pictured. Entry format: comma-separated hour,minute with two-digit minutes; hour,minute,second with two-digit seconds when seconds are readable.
11,24
